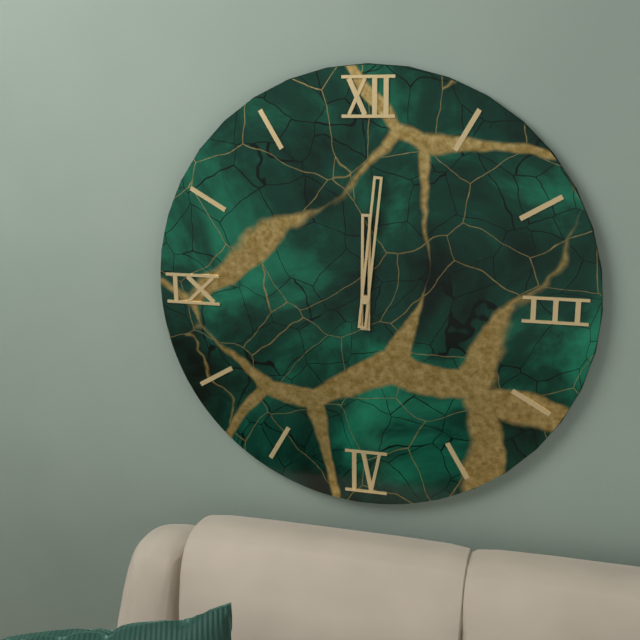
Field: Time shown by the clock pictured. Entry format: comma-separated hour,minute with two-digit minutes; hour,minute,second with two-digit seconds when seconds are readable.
12,01
